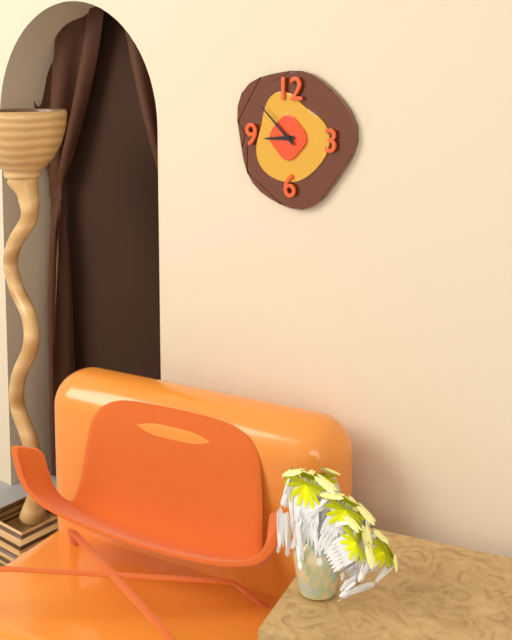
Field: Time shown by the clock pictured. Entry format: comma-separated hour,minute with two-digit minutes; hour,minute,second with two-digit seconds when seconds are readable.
8,52
